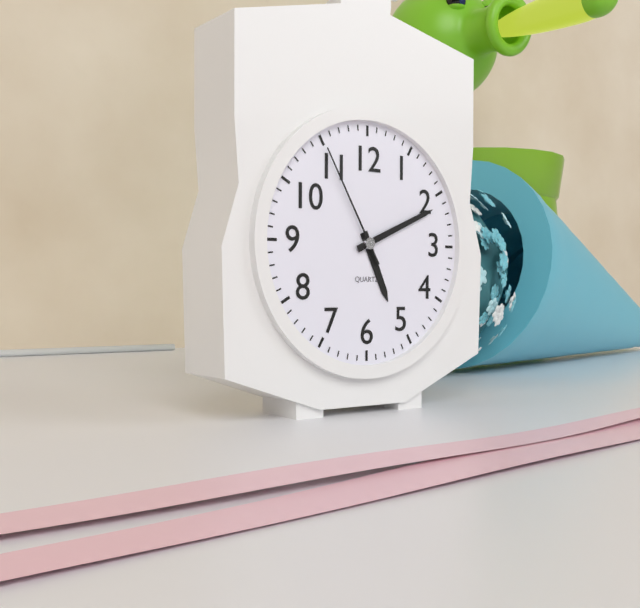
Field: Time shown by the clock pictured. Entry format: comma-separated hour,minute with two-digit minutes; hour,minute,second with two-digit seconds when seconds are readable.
5,11,55
